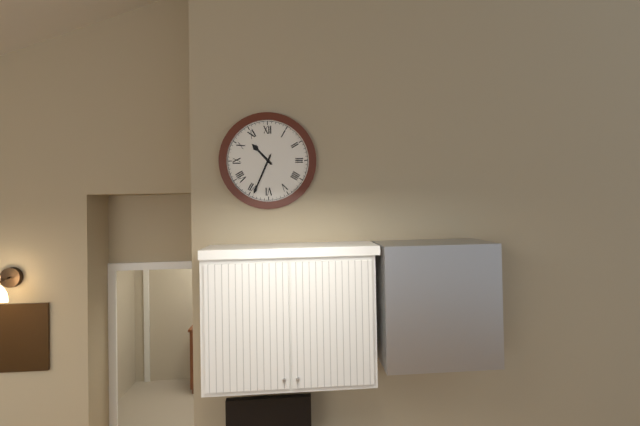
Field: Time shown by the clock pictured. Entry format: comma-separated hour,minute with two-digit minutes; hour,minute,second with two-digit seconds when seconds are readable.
10,34
